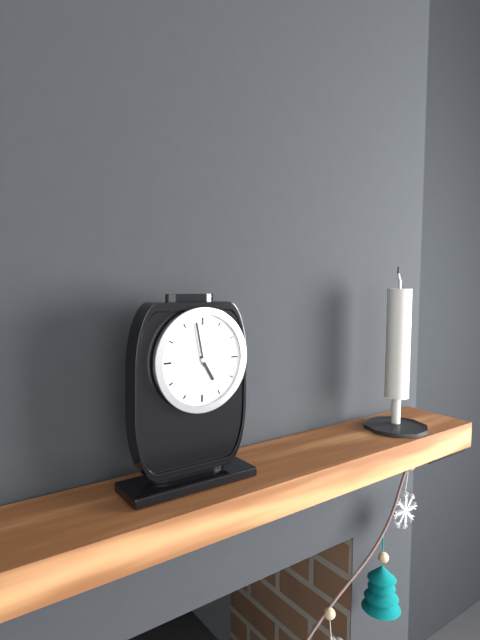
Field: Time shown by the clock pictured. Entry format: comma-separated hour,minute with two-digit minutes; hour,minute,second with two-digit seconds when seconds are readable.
4,58
